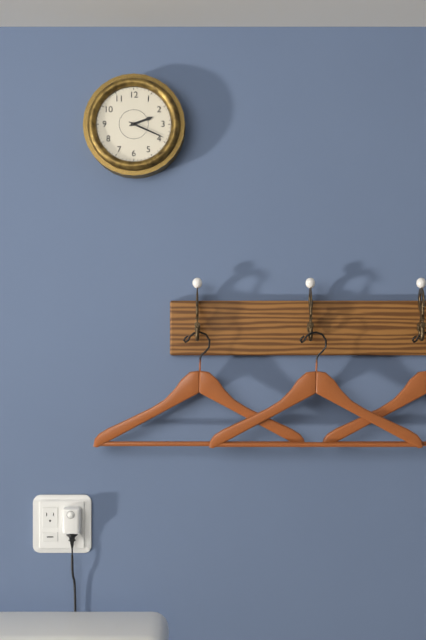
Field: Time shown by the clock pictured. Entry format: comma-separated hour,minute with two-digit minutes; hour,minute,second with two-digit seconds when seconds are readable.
2,19
